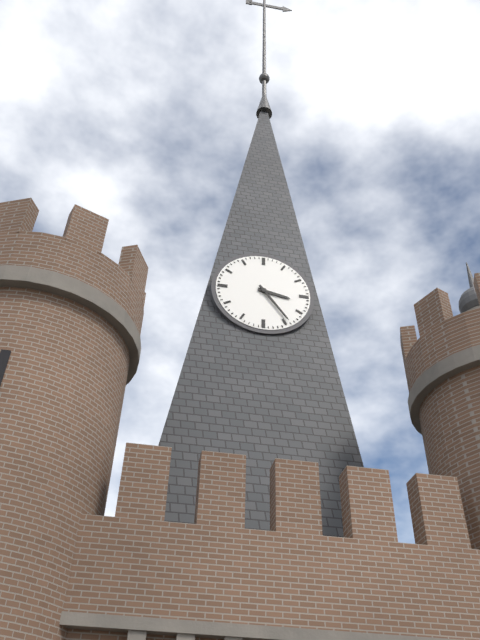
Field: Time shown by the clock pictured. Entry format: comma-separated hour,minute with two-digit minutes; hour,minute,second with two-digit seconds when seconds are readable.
3,24
